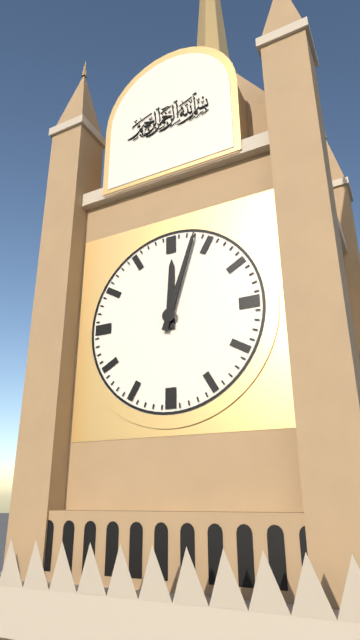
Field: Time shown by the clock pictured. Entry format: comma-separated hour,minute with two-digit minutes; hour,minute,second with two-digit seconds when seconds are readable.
12,03
